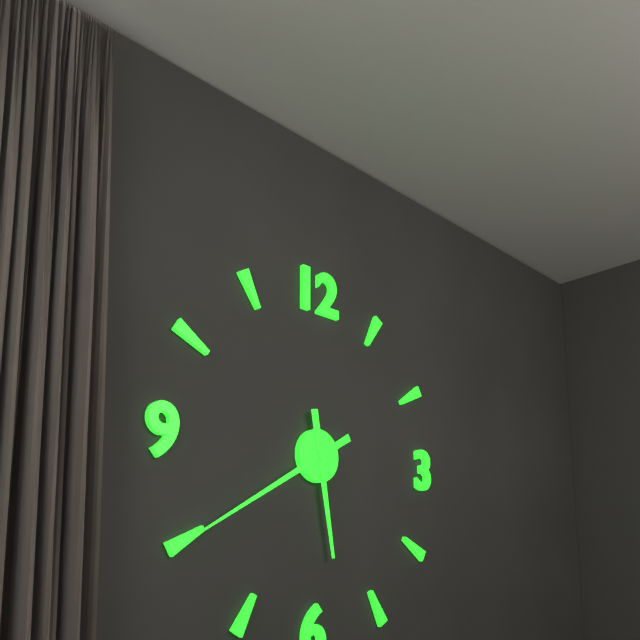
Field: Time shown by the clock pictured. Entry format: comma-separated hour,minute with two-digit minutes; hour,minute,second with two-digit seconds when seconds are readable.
5,40
